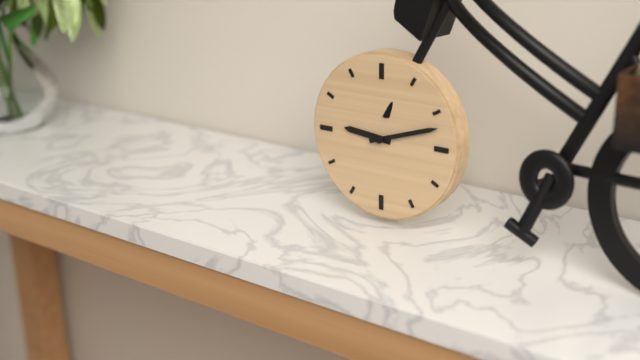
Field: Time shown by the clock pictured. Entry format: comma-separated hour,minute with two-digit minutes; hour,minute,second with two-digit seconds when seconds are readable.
9,12
